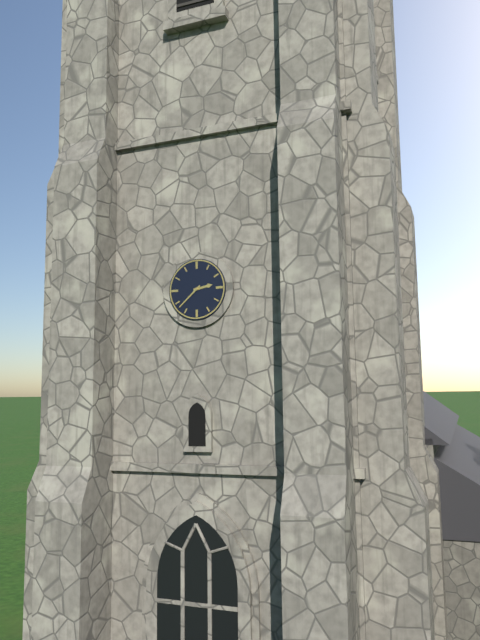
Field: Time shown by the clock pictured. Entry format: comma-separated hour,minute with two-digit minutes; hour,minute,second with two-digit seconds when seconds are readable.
2,38
